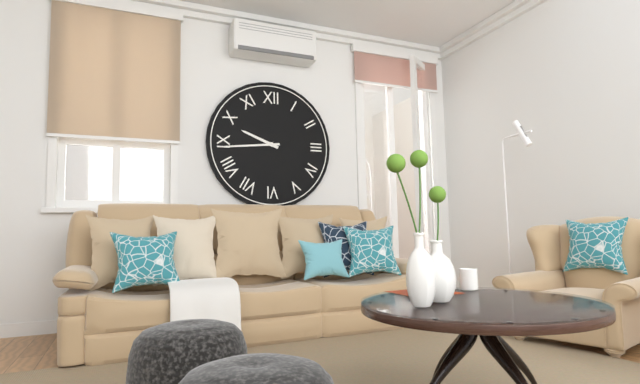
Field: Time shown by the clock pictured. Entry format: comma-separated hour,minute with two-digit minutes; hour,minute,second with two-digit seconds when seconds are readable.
9,44
